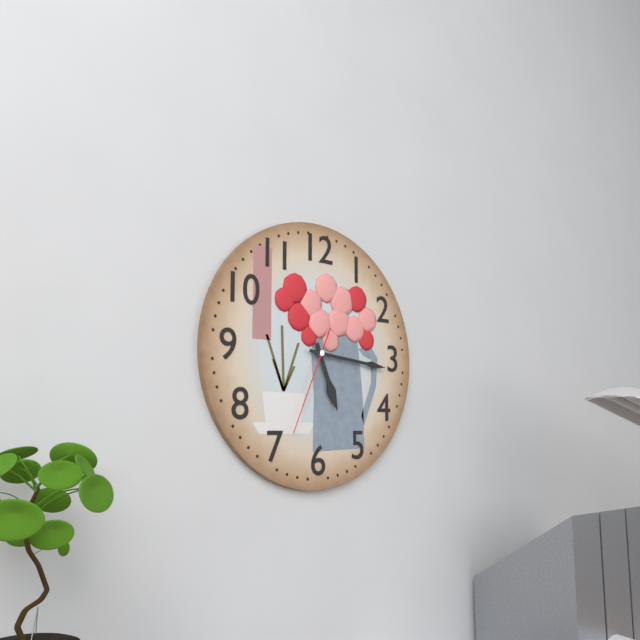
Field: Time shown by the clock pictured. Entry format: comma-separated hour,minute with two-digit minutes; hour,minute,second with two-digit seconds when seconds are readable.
5,16,34
